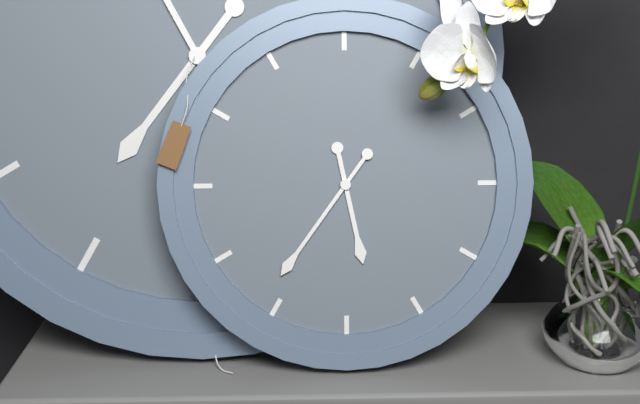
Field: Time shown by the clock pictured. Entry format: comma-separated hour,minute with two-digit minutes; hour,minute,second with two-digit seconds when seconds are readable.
5,36
